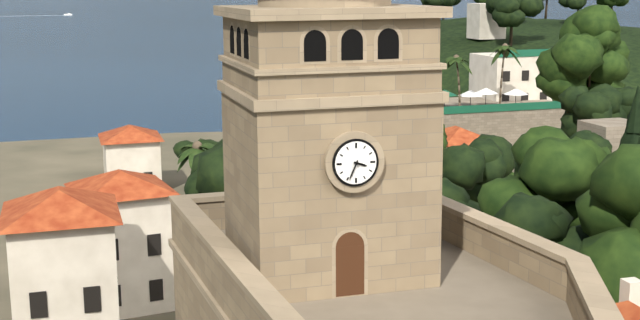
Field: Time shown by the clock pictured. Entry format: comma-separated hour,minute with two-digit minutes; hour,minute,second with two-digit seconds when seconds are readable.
3,34
